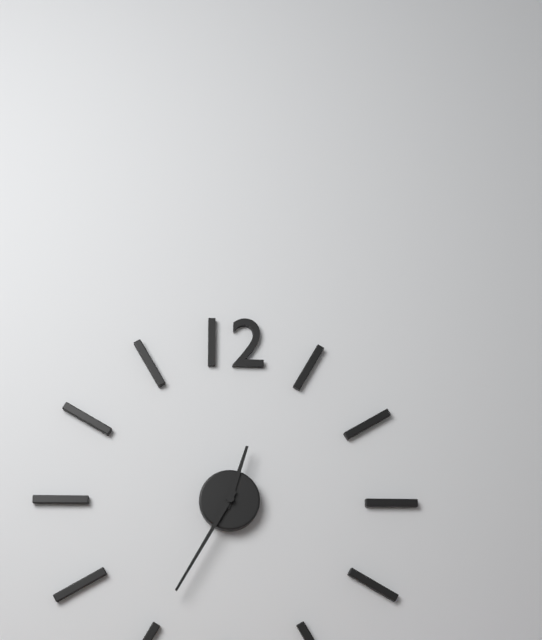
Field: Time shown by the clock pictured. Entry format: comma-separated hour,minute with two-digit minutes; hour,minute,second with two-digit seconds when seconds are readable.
12,35
